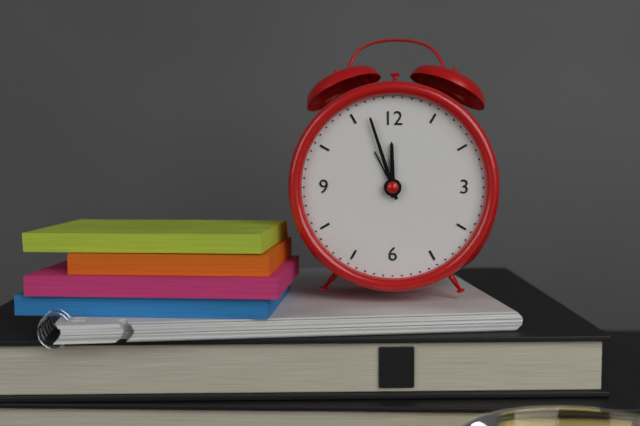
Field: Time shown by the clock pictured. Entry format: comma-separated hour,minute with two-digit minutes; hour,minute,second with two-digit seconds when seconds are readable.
11,57
